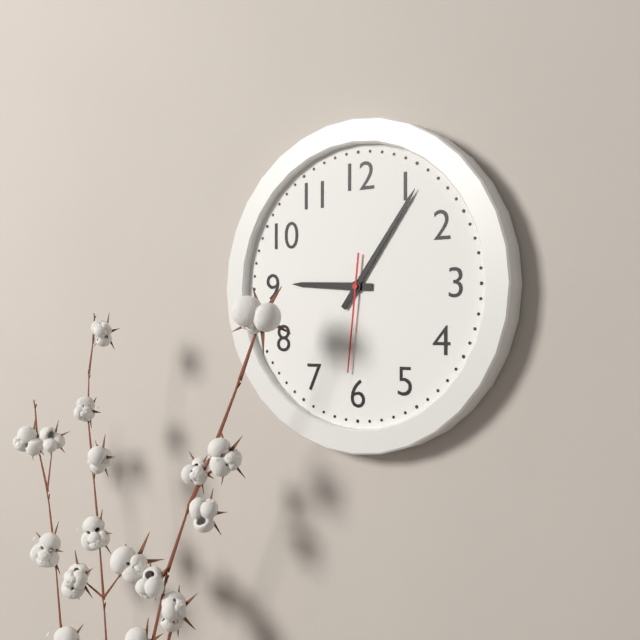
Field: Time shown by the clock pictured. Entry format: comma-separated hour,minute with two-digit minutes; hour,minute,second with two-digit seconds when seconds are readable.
9,06,31
